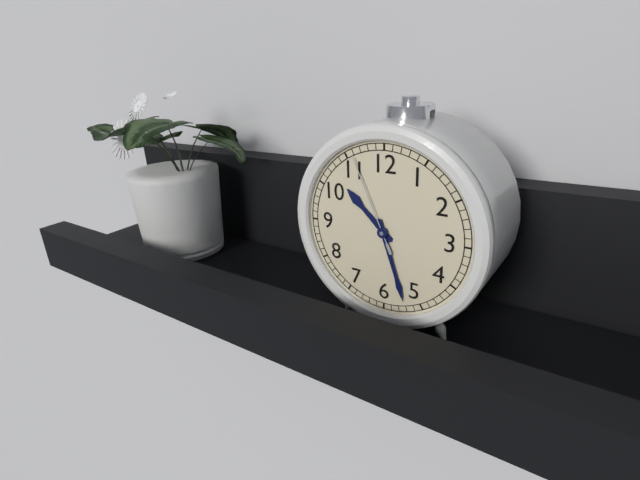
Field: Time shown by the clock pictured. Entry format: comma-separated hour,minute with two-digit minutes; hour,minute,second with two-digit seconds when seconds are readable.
10,27,56
